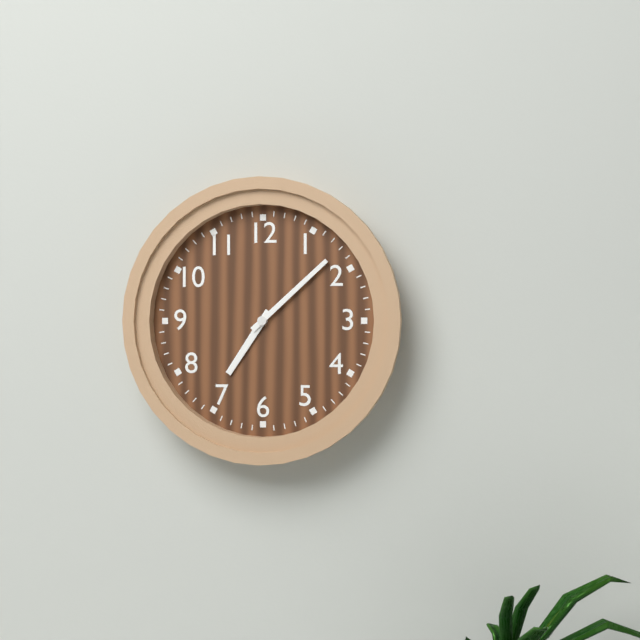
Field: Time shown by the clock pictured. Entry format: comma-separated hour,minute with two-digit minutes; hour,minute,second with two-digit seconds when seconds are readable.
7,08
